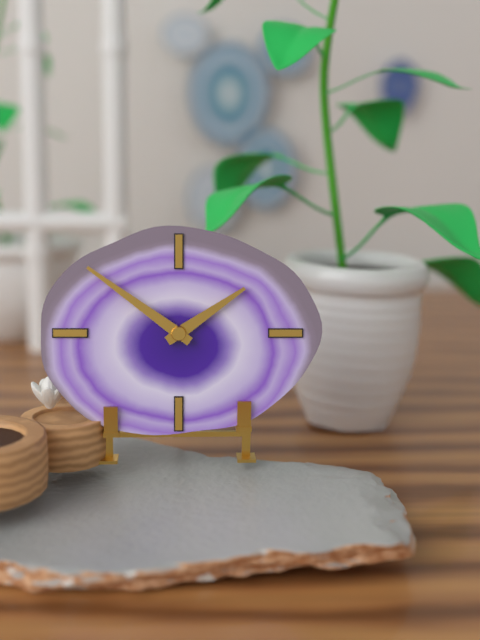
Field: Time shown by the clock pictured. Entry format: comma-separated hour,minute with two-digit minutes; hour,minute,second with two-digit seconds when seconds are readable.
1,51
